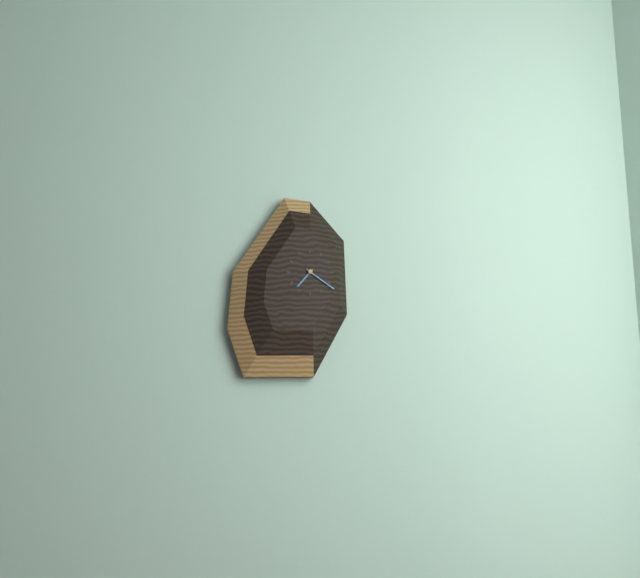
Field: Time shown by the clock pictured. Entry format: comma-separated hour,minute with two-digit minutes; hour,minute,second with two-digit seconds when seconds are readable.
7,21
